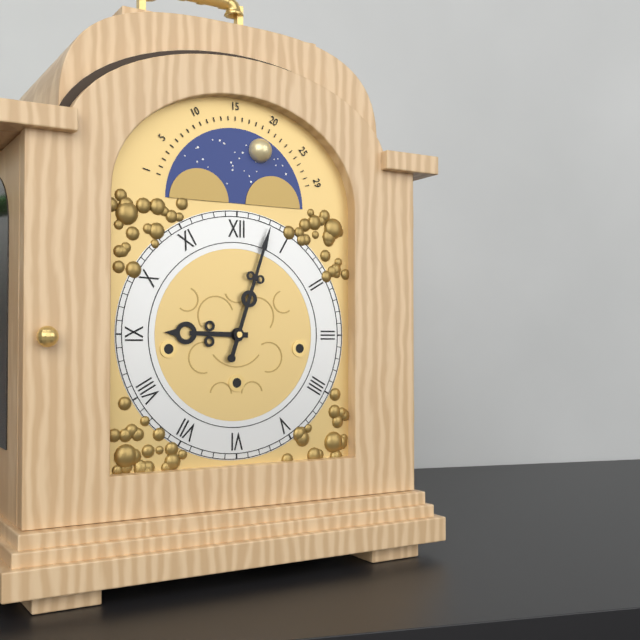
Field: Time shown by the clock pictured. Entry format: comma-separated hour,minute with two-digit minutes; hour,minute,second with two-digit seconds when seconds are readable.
9,03
